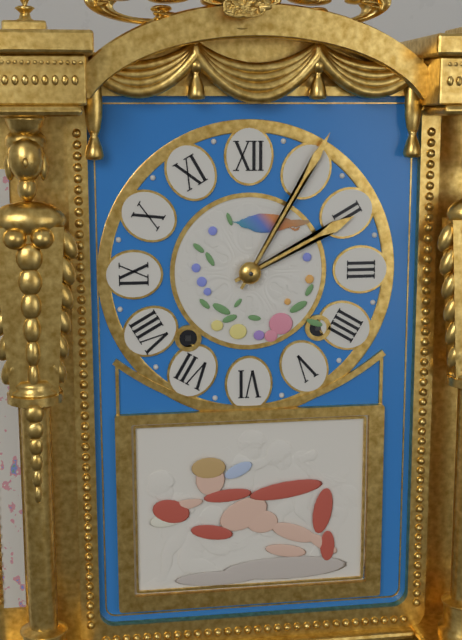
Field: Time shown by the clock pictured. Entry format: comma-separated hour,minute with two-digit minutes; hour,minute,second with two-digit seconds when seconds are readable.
2,05
